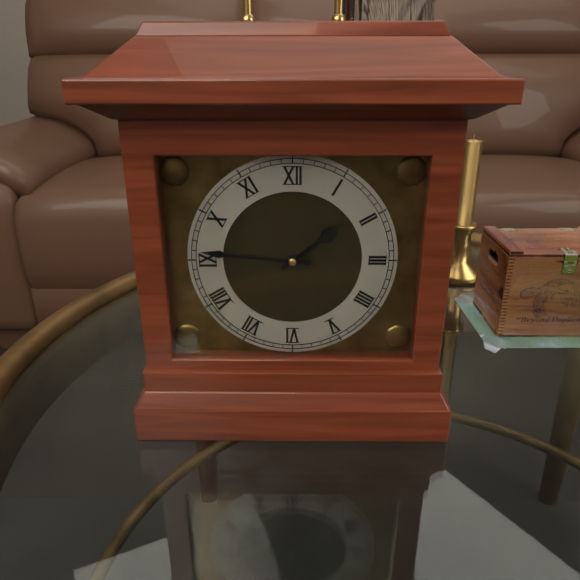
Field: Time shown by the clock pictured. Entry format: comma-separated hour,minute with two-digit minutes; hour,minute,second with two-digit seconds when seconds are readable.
1,46
